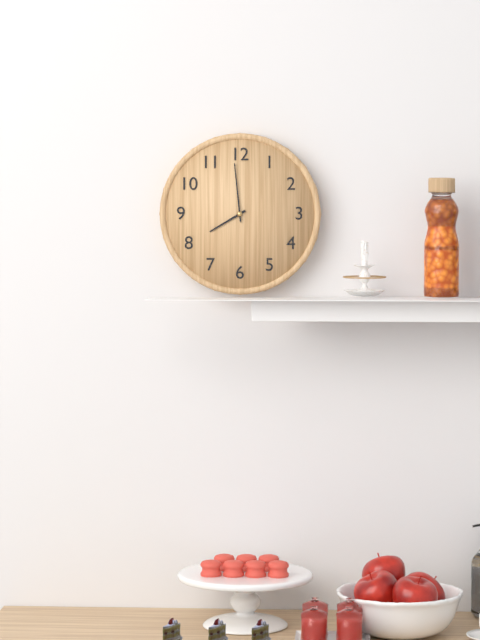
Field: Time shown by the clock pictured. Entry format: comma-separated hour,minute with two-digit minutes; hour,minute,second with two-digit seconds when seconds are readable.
7,59
